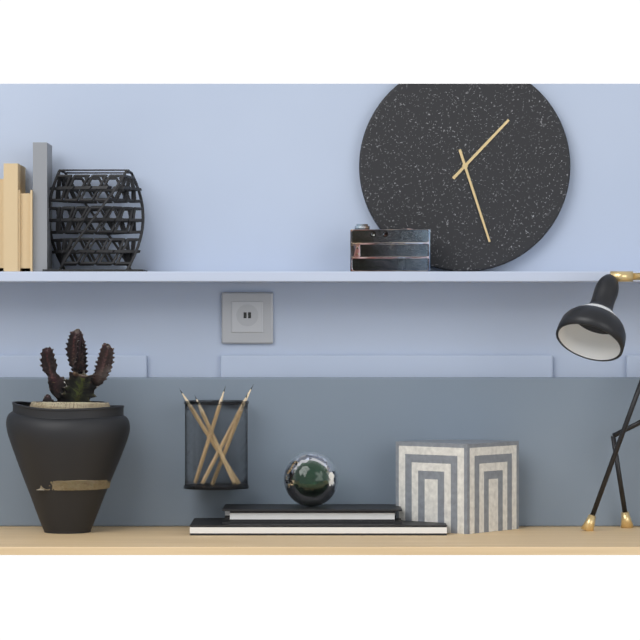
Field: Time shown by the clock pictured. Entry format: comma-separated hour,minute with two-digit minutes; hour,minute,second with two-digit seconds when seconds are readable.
1,27
